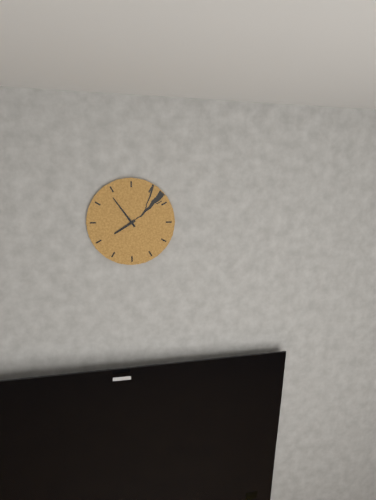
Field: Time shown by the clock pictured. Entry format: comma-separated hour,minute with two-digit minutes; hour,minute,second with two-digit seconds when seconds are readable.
7,54
